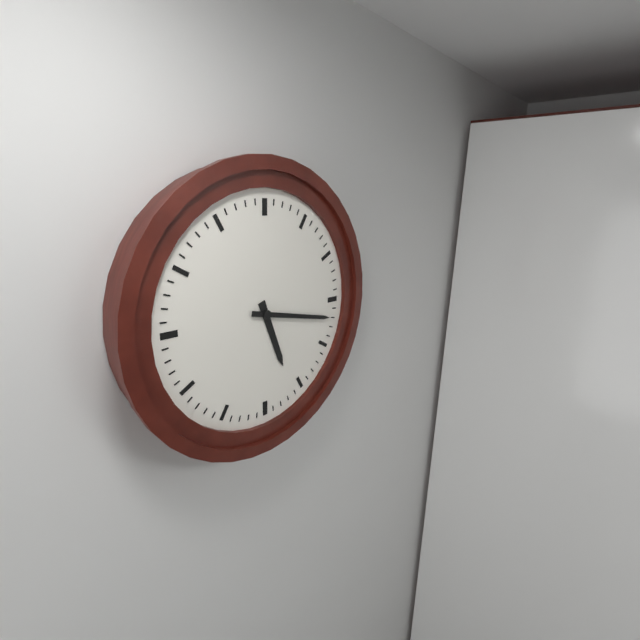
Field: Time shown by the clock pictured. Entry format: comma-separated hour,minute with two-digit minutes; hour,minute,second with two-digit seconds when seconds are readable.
5,17
